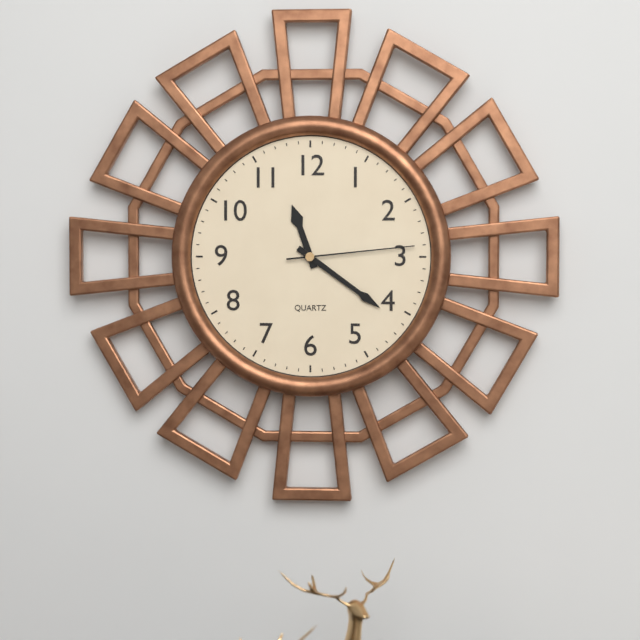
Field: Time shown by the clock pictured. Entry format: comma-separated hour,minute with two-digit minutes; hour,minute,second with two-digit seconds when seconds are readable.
11,21,14
